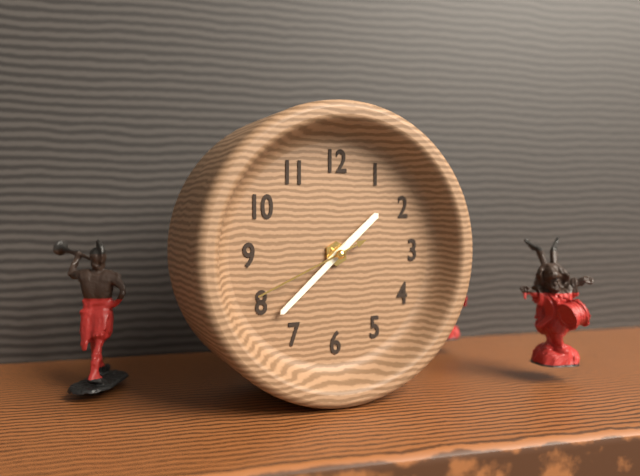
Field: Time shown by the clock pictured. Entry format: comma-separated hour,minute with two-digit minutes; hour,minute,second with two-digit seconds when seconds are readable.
1,38,41
